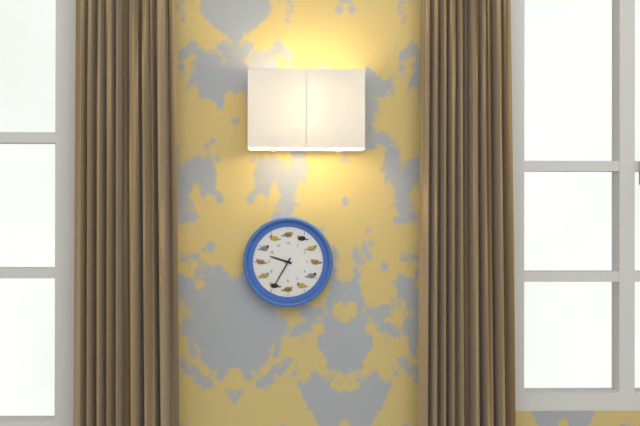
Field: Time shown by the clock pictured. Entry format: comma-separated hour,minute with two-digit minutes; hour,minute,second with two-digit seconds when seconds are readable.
9,35
